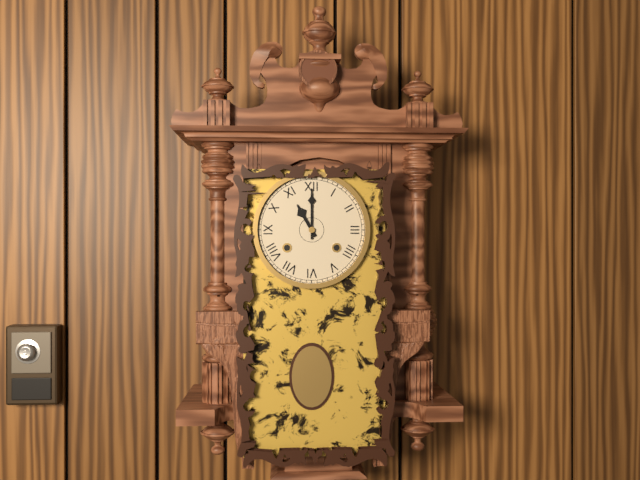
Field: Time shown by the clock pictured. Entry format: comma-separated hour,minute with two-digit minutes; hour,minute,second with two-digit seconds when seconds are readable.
11,00
